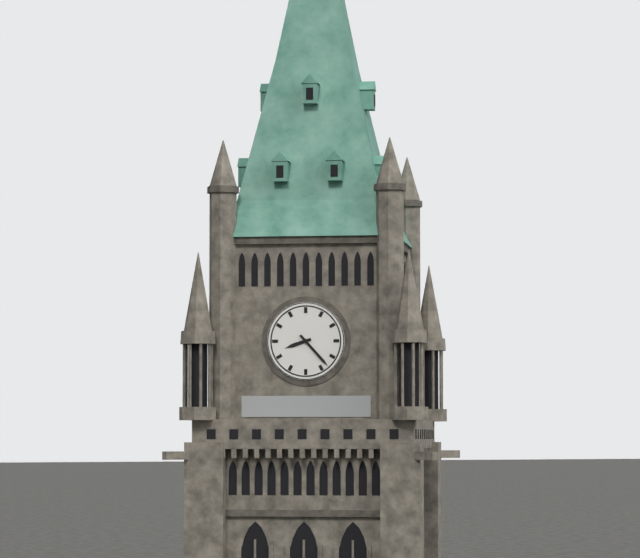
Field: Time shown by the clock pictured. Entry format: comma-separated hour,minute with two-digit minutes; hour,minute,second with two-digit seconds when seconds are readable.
8,23
